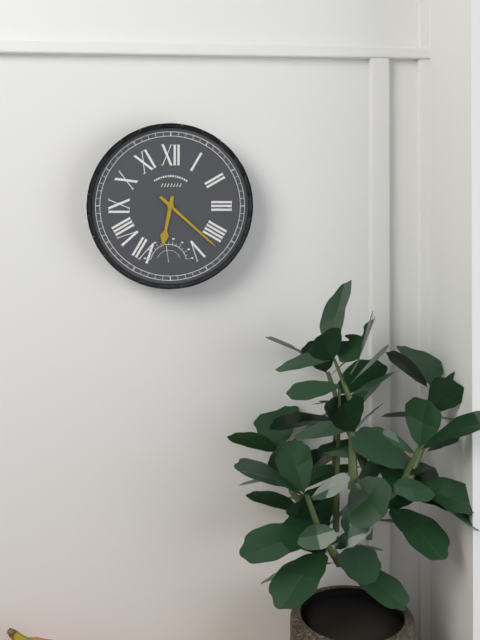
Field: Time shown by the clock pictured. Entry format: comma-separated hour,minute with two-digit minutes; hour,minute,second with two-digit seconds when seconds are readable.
6,22
